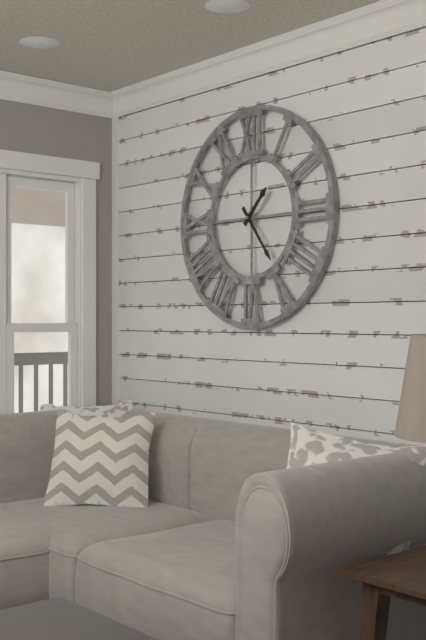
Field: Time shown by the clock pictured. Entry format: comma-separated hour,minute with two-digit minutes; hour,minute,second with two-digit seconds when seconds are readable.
1,24
